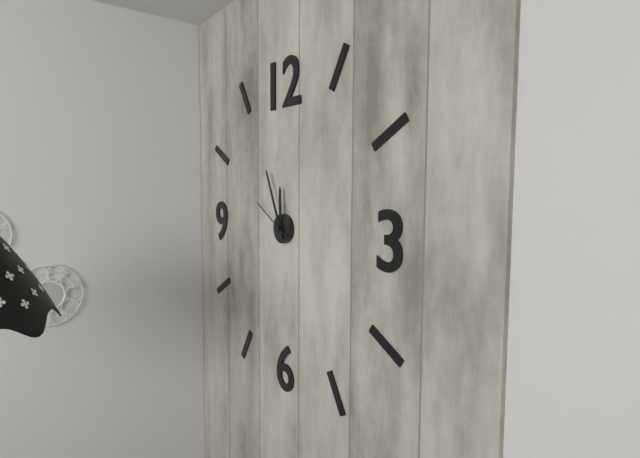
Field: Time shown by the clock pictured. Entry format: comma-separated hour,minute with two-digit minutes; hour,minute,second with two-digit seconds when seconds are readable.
11,56,50
